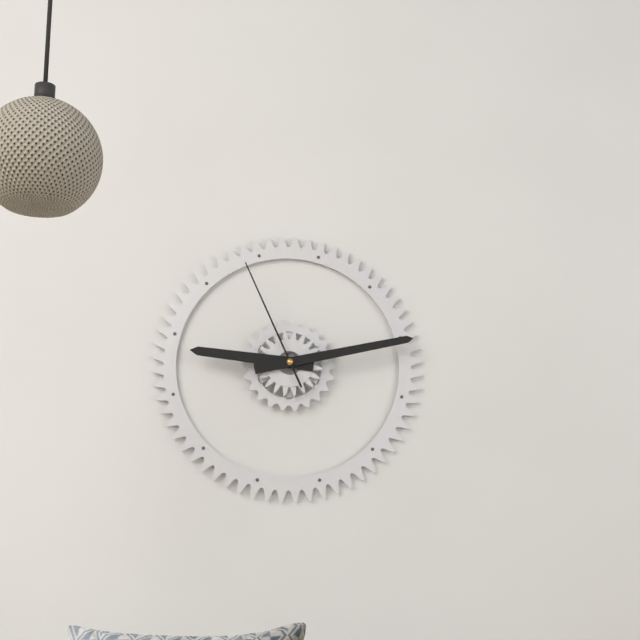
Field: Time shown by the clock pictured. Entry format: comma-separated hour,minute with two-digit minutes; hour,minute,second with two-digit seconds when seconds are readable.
9,13,56
